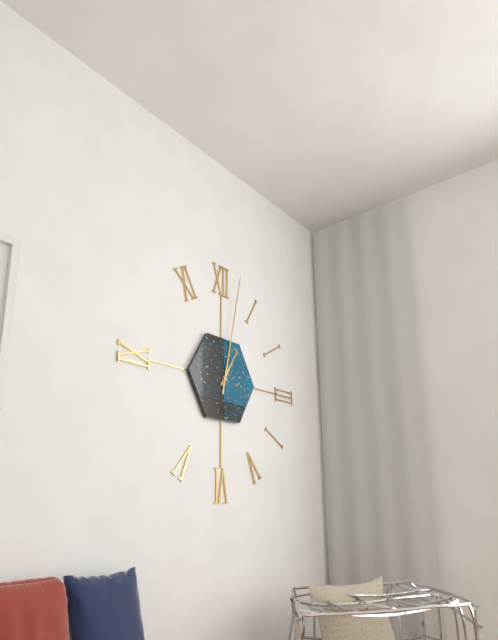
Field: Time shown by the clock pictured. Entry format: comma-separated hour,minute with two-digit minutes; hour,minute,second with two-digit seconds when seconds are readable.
1,02
